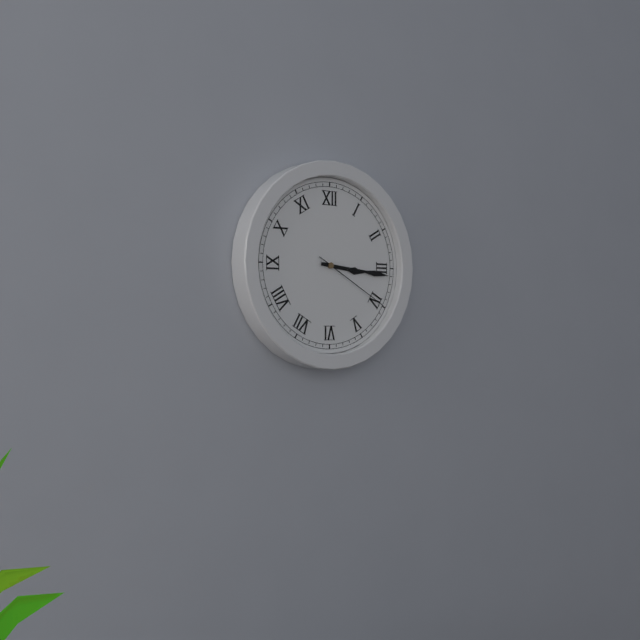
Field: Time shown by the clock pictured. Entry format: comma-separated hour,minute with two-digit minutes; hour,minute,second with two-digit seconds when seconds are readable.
3,16,20
